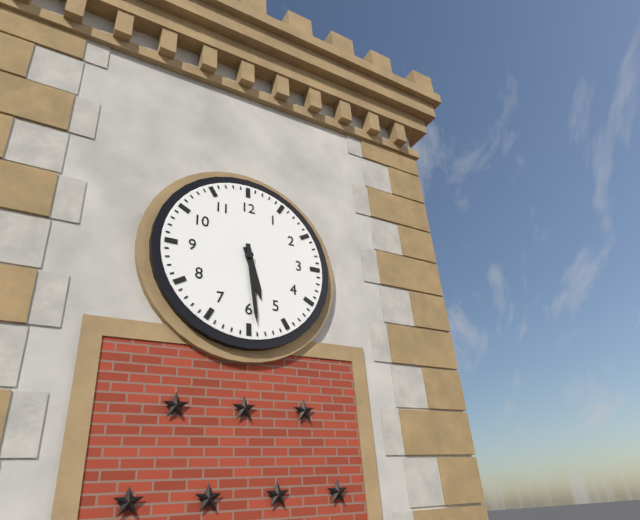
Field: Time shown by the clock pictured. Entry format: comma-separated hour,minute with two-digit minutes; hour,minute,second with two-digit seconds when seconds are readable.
5,29
